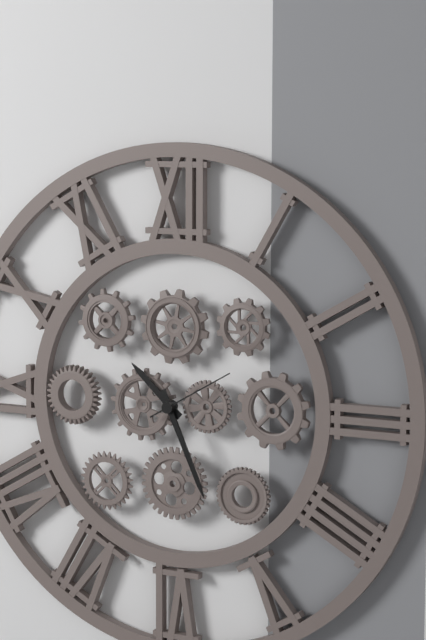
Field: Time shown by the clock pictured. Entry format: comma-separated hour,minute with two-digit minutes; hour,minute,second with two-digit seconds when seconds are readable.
10,26,10
